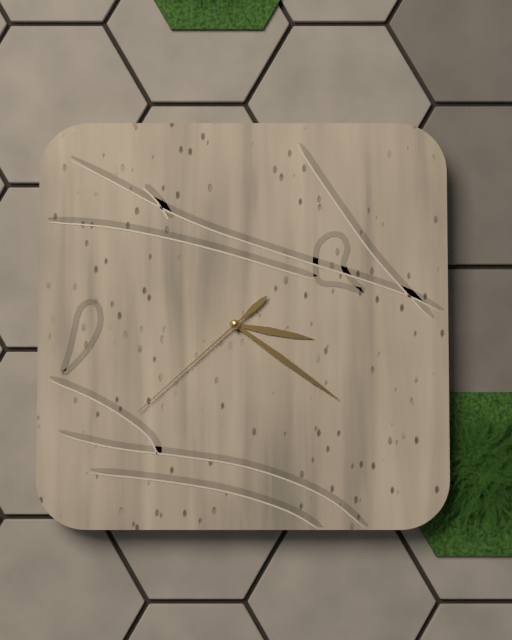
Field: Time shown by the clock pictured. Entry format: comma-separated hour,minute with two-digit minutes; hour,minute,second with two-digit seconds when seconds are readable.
3,21,38
